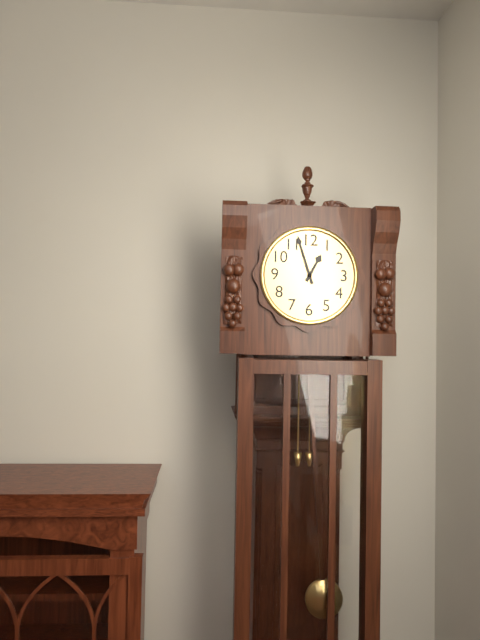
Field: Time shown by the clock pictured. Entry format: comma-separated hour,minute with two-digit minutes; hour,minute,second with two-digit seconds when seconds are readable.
12,57
